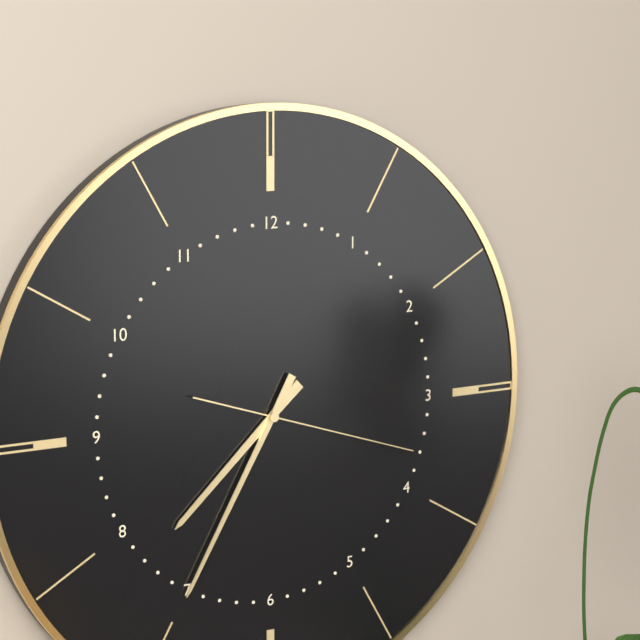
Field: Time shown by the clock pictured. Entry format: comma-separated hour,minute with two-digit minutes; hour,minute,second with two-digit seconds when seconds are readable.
7,35,18
